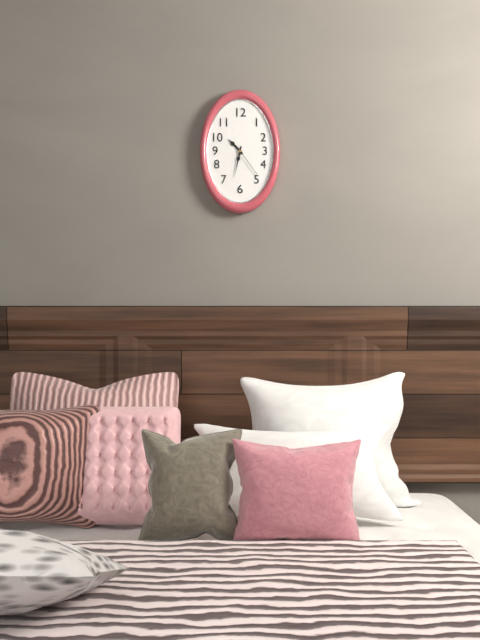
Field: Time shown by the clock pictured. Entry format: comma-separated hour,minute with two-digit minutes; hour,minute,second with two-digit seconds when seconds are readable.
10,32
